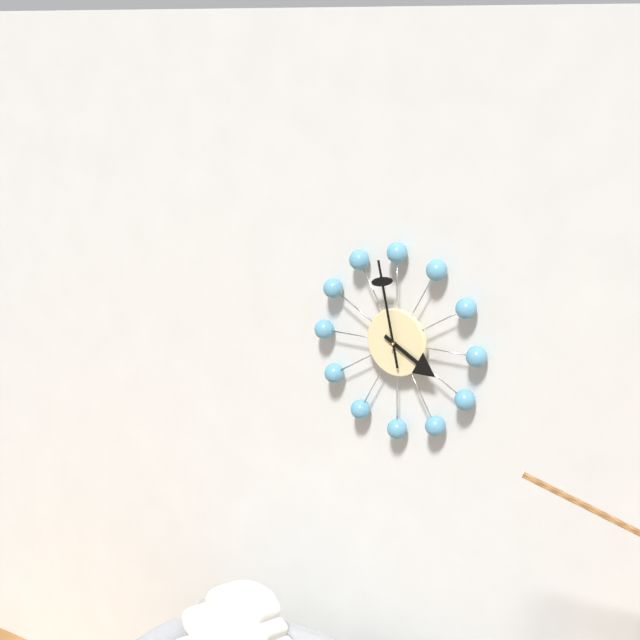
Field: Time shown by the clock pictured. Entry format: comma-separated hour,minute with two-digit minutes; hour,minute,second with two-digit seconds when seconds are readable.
3,58
